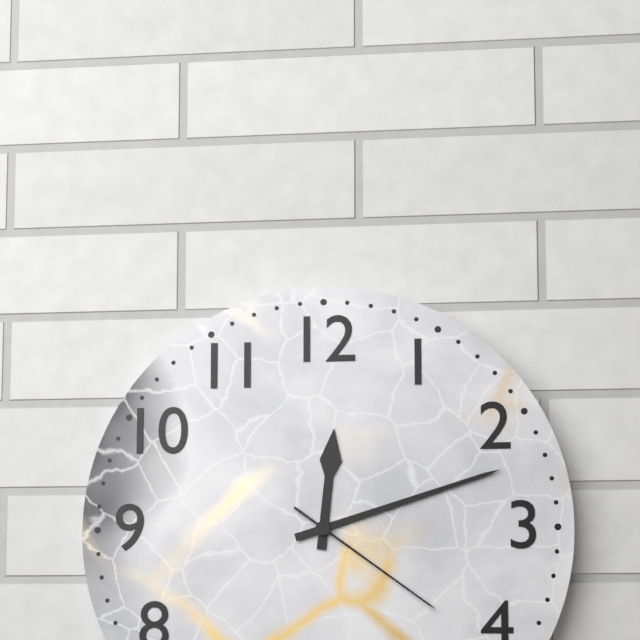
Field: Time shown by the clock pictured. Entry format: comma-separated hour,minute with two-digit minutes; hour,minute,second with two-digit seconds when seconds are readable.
12,12,21
